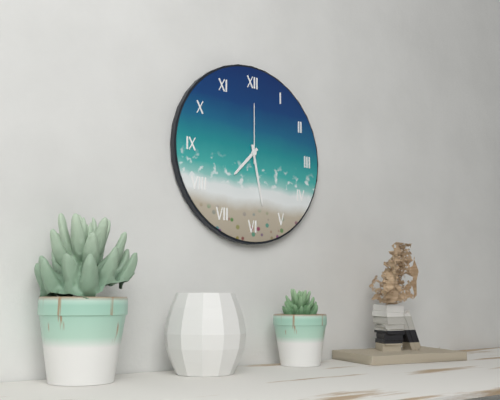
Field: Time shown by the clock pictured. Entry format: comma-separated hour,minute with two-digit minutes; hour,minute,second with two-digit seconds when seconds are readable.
7,28,00
